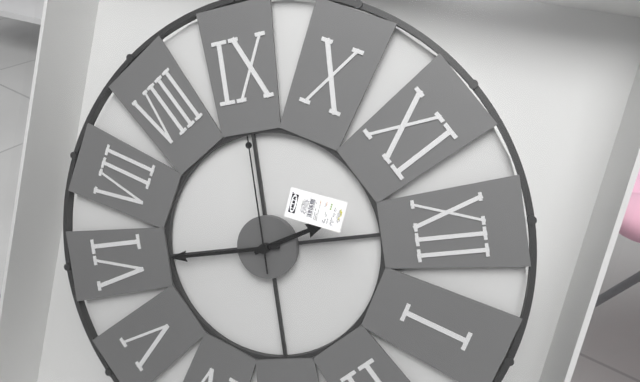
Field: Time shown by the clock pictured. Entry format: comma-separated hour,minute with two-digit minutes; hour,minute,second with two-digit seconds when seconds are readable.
11,30,45
